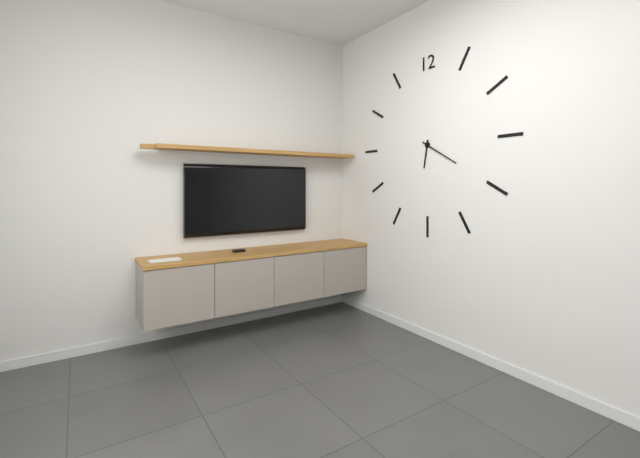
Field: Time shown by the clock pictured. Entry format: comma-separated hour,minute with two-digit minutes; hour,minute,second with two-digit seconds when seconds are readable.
6,20
